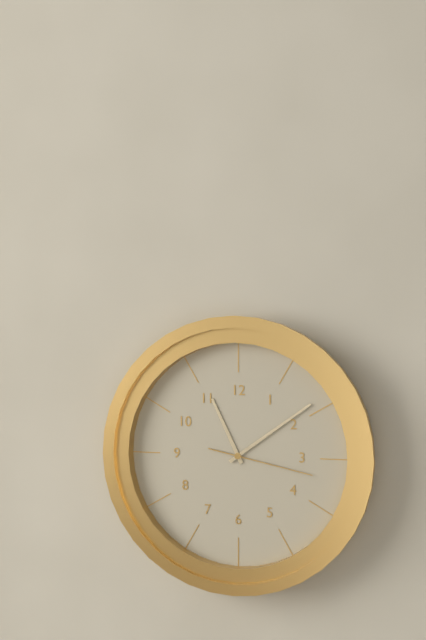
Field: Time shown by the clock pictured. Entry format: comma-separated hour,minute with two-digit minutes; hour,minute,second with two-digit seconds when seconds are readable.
11,09,17
